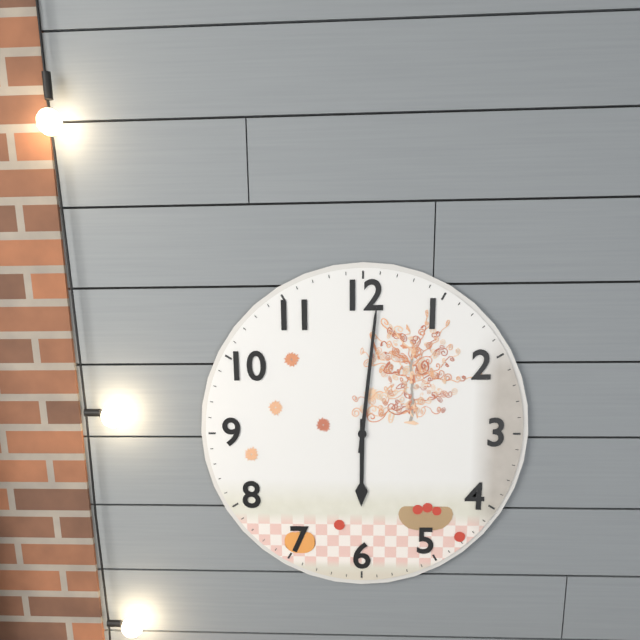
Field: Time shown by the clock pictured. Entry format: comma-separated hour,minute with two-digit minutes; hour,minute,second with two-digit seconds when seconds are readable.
6,01
